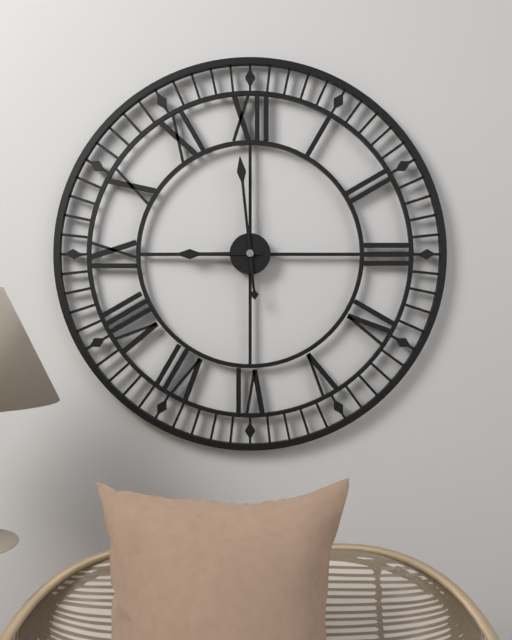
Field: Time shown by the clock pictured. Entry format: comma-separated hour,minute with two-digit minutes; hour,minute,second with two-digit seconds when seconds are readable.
8,59
